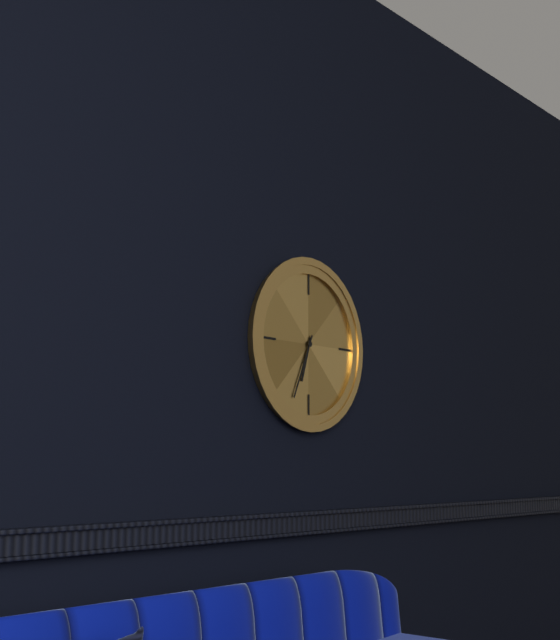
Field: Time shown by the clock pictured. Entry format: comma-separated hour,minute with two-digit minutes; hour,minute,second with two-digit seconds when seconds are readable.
6,34
